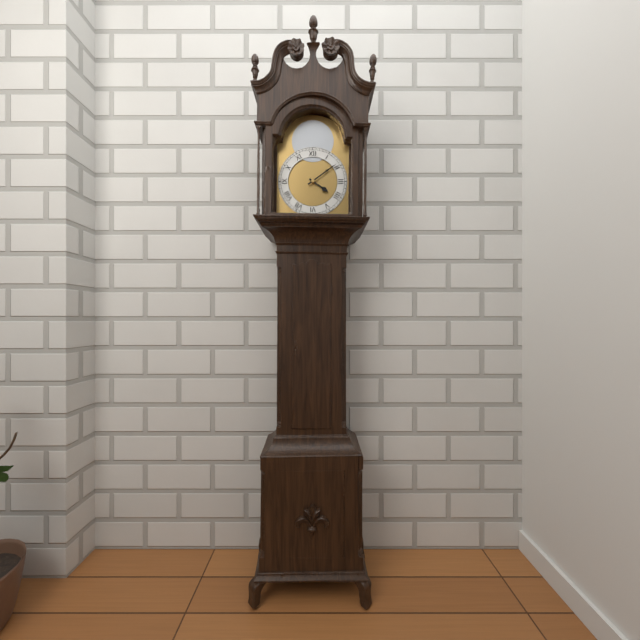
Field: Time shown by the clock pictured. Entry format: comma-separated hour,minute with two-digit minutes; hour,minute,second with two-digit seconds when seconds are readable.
4,09
